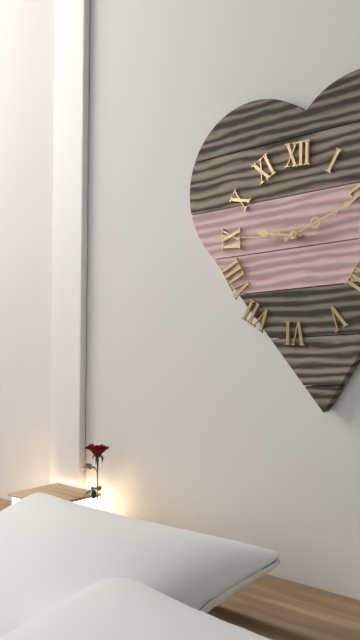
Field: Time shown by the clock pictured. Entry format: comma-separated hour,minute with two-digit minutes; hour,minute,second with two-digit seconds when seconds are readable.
9,11,45
